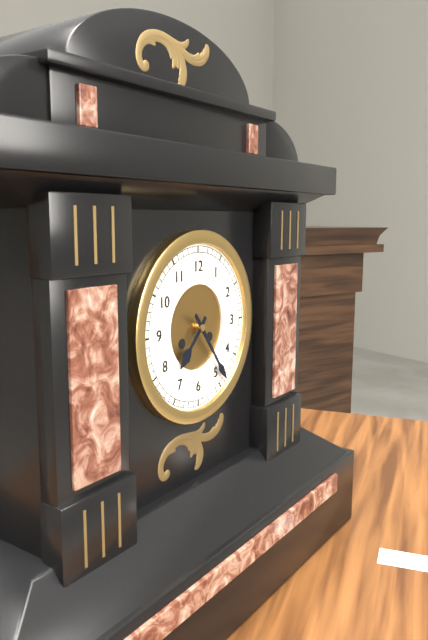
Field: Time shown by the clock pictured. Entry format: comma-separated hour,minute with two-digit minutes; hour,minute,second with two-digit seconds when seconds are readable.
7,24
